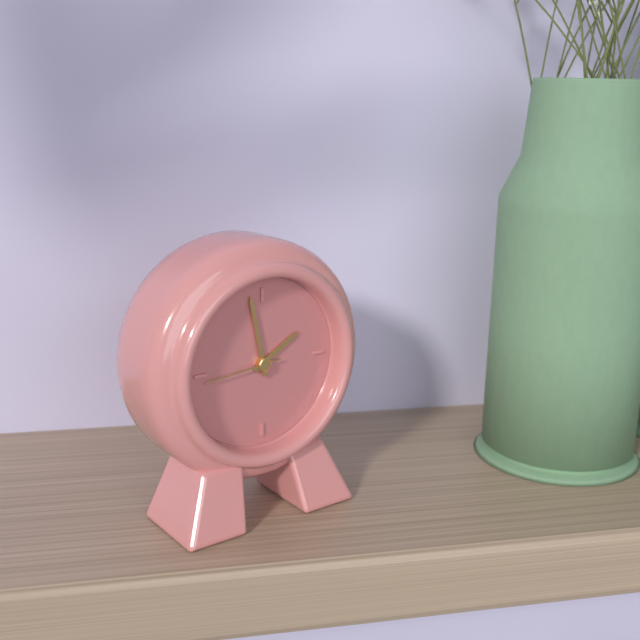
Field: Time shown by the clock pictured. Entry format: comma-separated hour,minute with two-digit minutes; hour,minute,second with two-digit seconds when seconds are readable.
1,58,44
